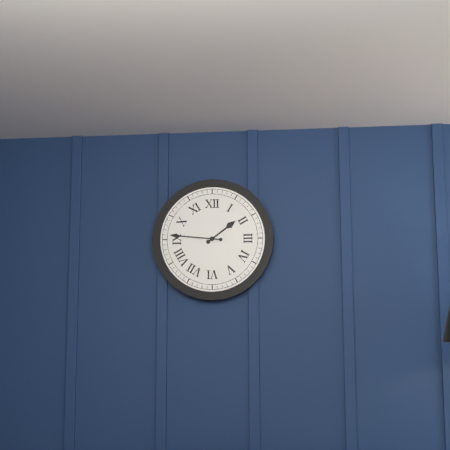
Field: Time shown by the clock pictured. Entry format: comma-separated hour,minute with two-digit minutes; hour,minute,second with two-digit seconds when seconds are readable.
1,46
